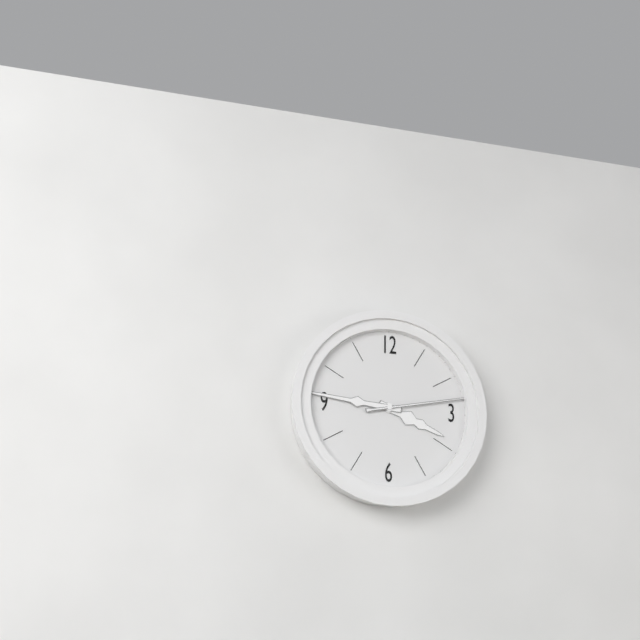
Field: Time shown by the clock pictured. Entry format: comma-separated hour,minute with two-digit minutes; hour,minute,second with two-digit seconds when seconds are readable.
3,46,13
